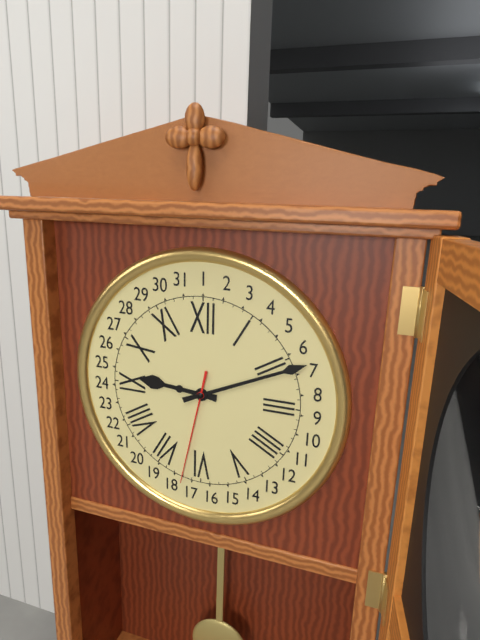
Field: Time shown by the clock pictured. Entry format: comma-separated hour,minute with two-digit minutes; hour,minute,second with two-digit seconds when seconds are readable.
9,11,32
